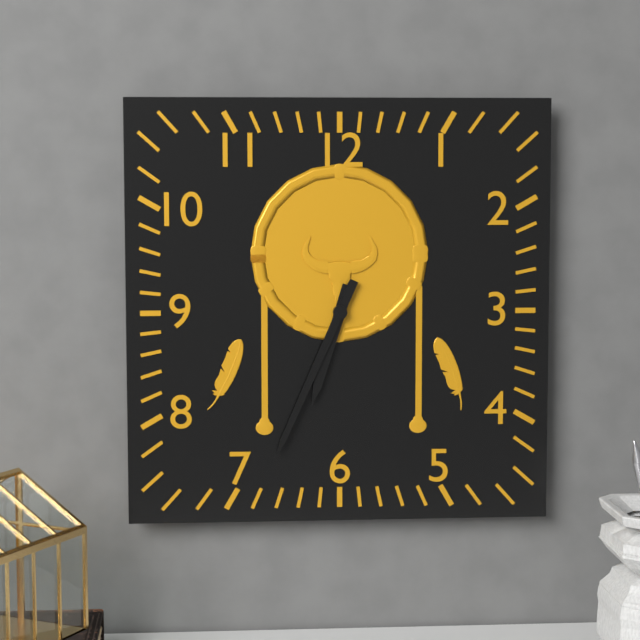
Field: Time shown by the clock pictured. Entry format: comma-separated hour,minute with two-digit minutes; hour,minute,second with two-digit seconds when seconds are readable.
6,34
